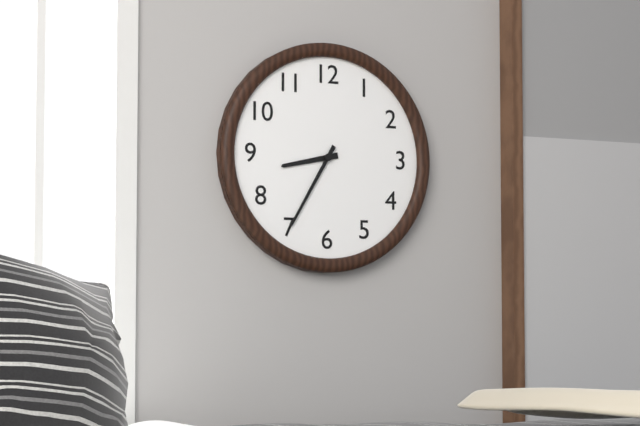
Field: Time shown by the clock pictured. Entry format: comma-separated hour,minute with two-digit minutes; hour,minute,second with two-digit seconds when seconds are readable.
8,35
